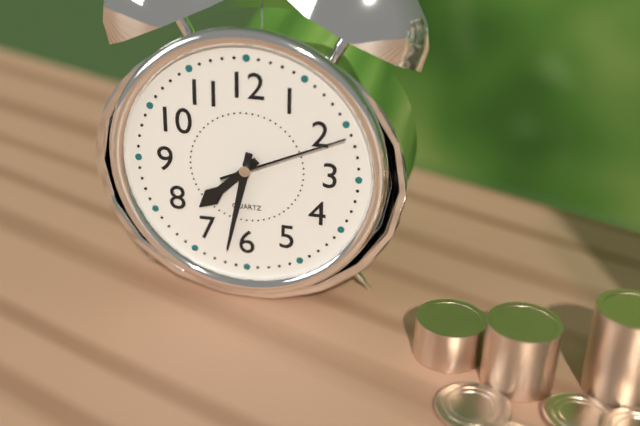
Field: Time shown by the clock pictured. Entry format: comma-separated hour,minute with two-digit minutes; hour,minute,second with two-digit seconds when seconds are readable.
7,32,11
